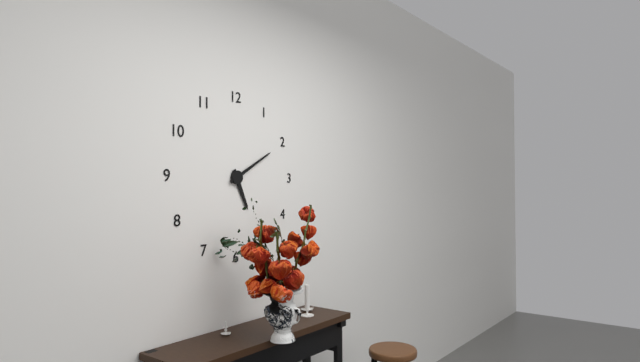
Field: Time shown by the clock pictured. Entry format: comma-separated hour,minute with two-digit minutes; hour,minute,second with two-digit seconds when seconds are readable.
5,10
